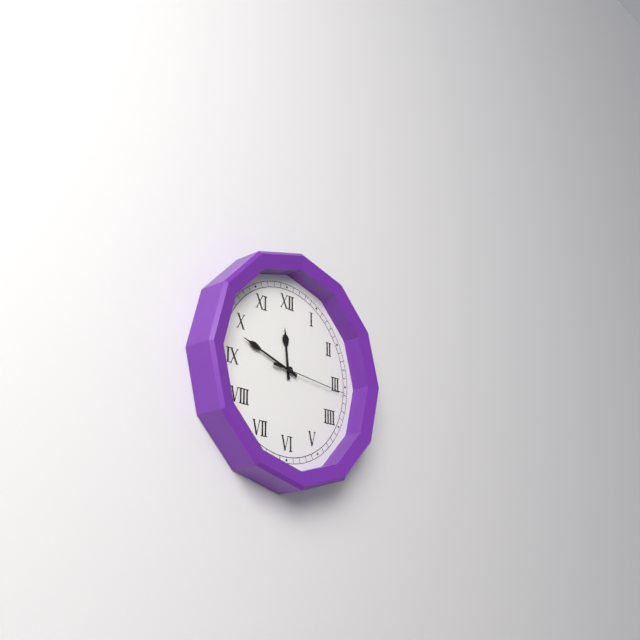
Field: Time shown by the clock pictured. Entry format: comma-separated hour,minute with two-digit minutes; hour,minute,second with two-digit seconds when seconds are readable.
11,48,16
